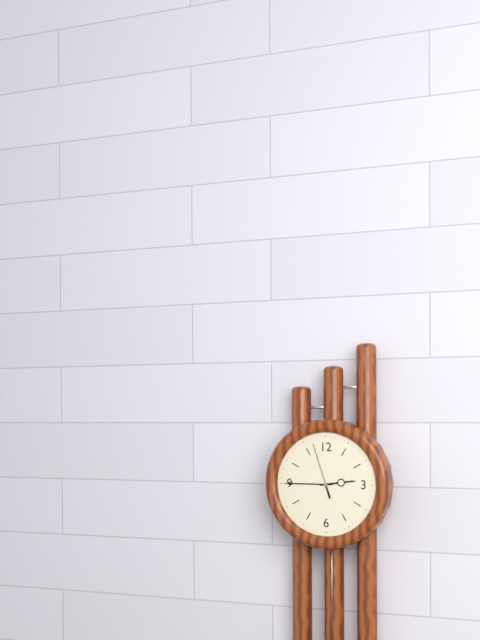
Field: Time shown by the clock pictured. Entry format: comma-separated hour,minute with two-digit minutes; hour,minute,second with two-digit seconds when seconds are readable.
2,45,57
